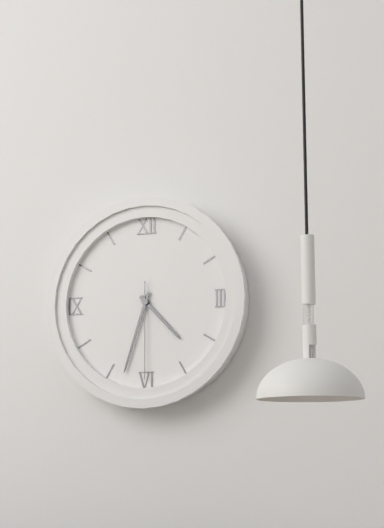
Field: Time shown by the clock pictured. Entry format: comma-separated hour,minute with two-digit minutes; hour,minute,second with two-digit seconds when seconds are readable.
4,33,30
